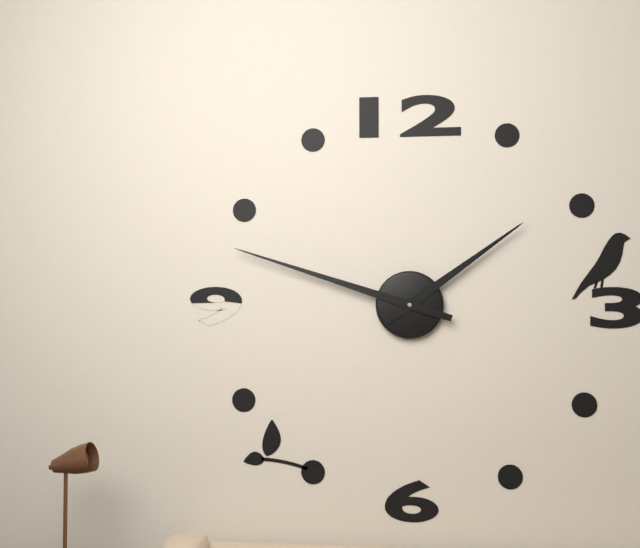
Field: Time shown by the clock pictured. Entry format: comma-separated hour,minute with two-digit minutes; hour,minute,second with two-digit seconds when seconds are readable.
1,48
